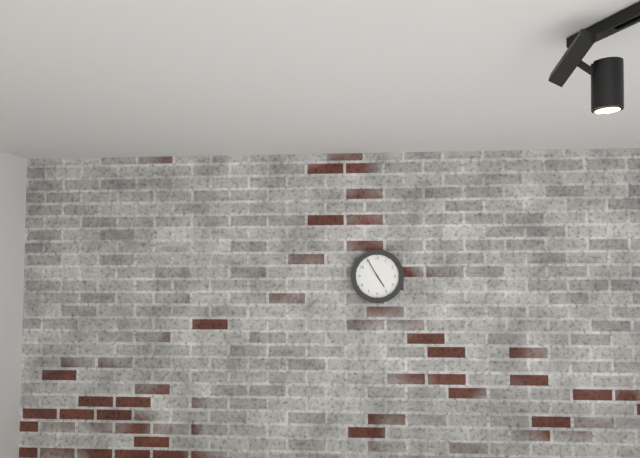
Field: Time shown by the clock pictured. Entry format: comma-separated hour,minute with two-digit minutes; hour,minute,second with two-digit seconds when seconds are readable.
4,55
